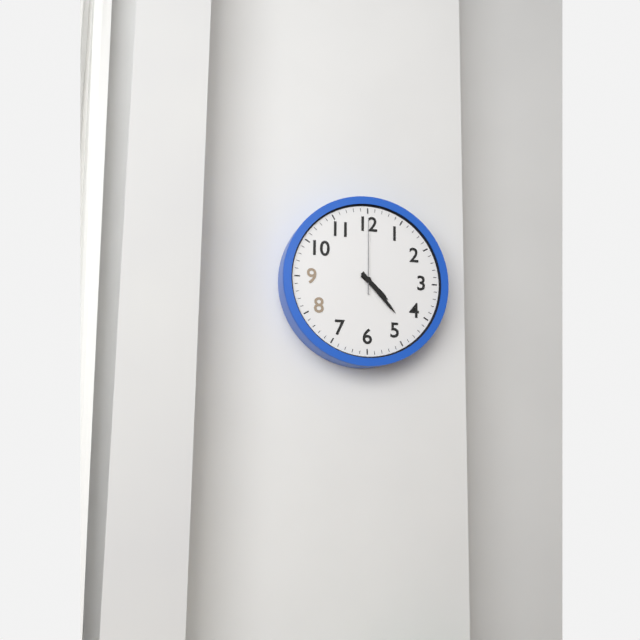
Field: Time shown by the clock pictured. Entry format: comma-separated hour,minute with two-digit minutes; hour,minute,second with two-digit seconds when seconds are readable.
4,23,00
